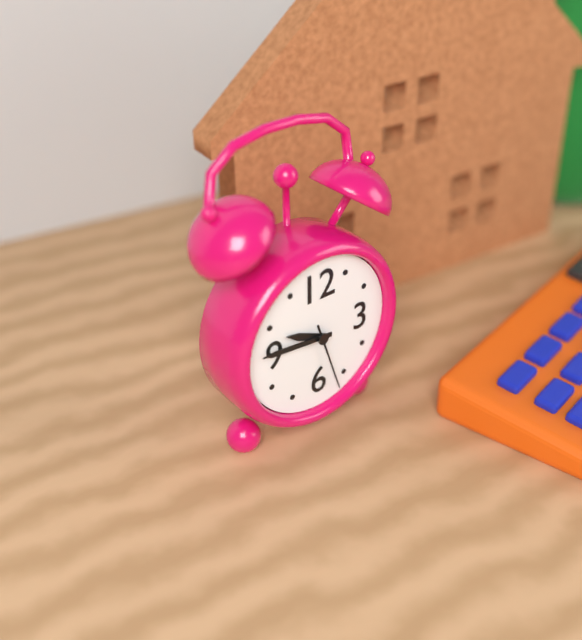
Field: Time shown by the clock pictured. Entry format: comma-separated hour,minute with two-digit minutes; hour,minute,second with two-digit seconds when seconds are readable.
9,46,27
